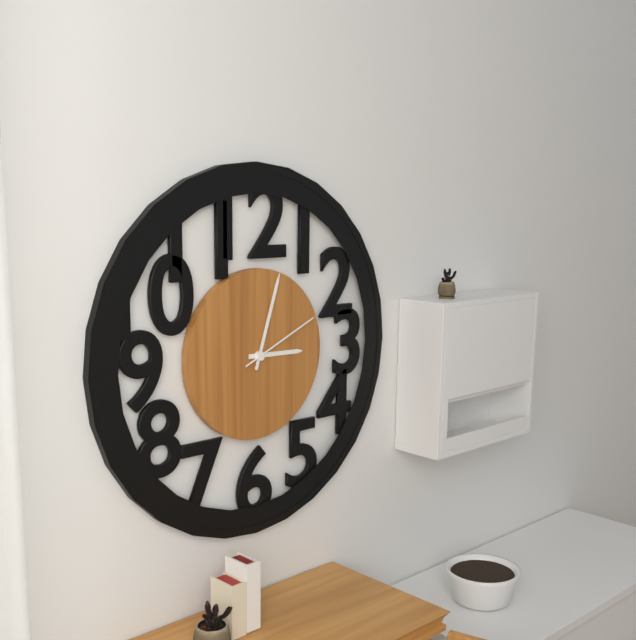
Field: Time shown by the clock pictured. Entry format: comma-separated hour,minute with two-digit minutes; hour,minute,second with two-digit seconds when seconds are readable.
3,03,11
